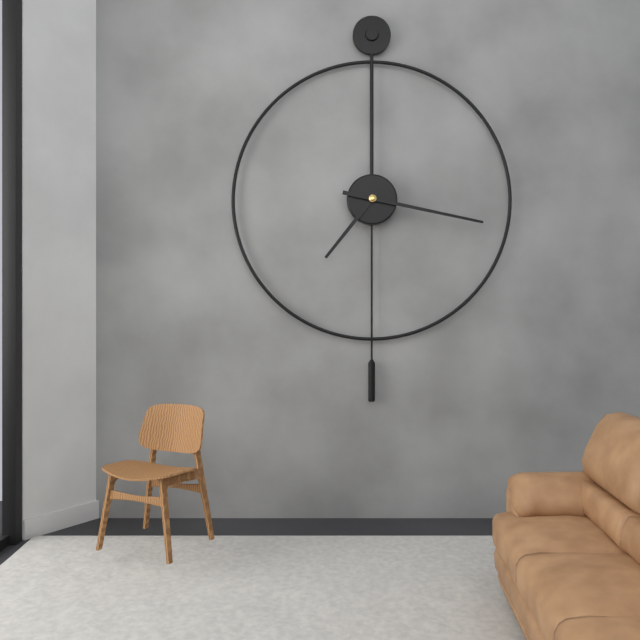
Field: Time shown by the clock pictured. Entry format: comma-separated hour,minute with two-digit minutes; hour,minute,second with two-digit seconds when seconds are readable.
7,17
